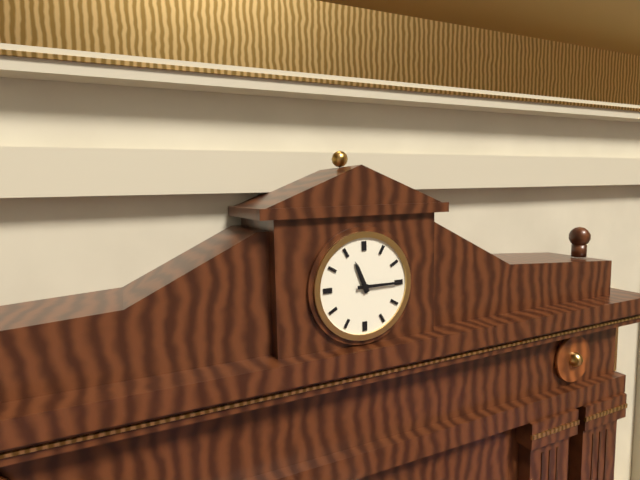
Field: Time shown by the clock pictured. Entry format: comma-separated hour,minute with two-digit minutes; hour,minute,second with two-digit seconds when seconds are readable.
11,15
